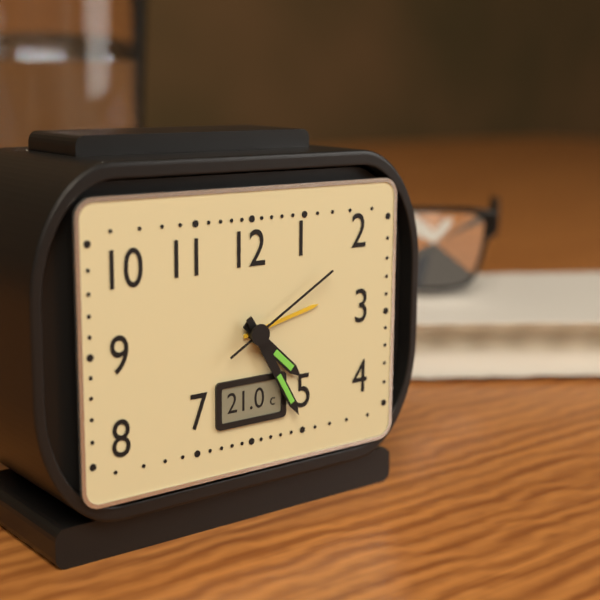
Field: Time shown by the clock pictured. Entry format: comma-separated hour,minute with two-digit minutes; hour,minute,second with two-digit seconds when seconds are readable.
4,25,10
